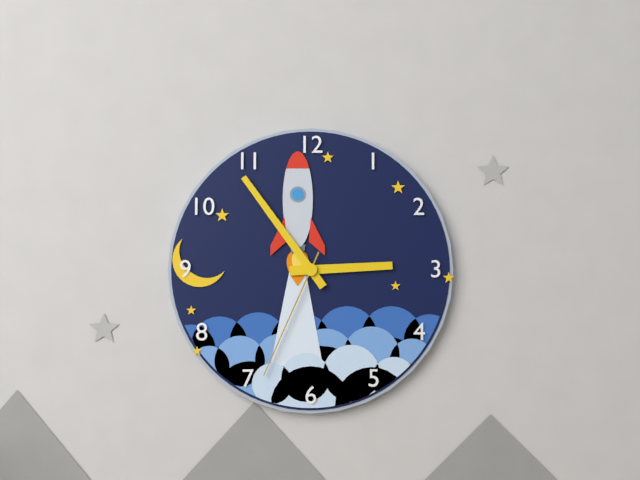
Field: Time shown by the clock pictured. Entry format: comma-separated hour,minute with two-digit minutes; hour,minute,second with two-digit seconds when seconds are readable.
2,54,34
